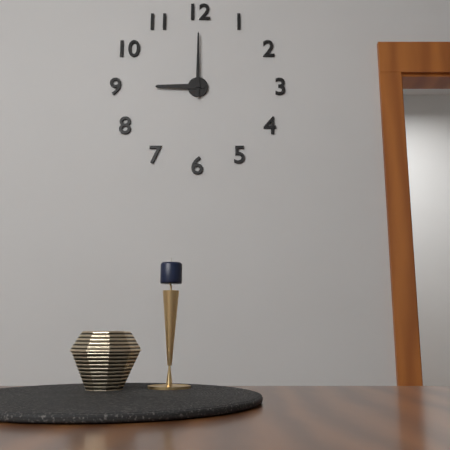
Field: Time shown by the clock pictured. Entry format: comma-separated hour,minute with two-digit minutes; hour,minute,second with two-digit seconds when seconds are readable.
9,00
